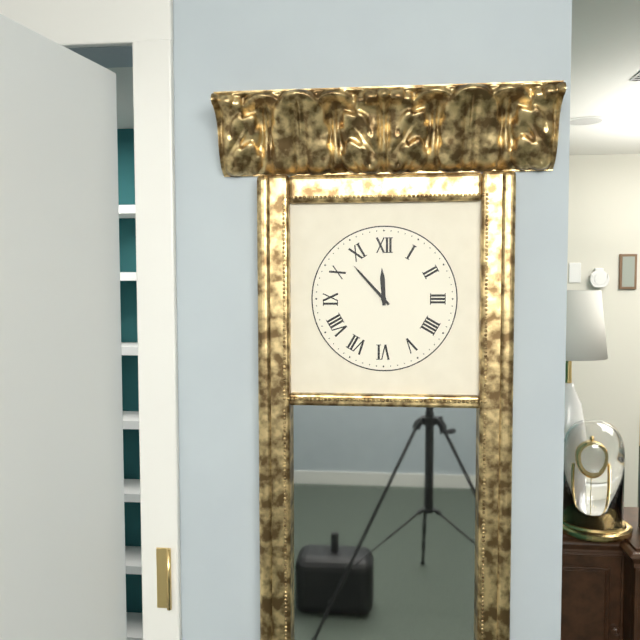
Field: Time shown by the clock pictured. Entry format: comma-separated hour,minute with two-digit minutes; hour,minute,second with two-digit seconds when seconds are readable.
11,53
